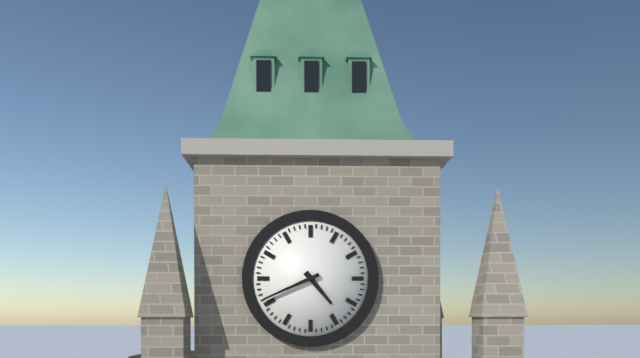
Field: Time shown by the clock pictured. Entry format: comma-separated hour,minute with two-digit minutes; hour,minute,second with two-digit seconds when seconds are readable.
4,41
